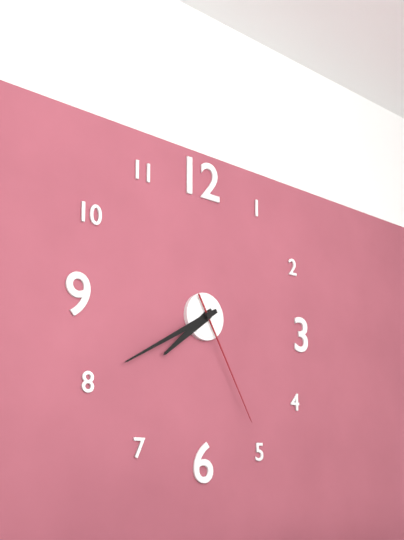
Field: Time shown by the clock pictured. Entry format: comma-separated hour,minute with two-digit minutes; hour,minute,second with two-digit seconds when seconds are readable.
7,40,25
